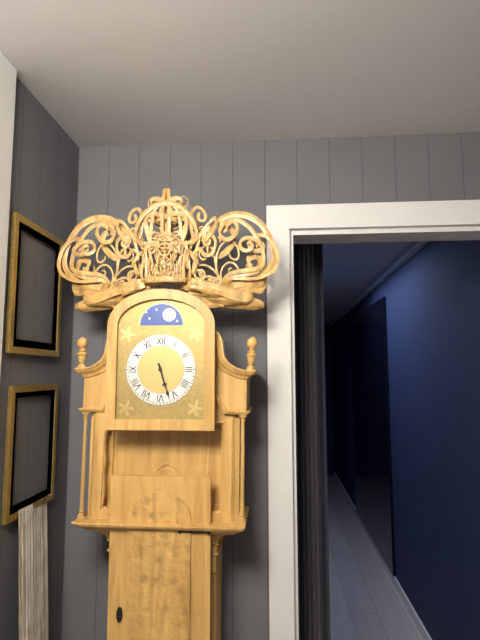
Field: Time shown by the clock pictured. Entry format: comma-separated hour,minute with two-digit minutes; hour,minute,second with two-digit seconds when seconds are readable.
5,27
